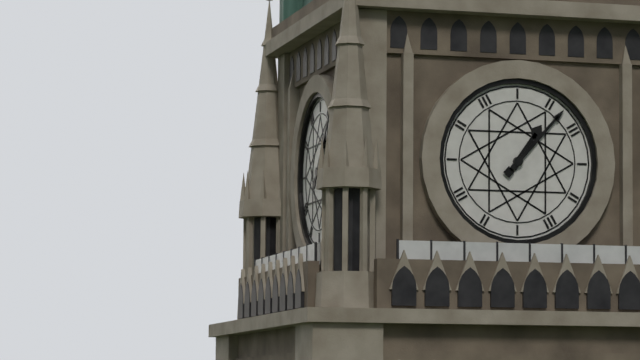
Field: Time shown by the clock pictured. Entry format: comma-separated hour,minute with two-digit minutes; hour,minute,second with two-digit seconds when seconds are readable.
1,07
